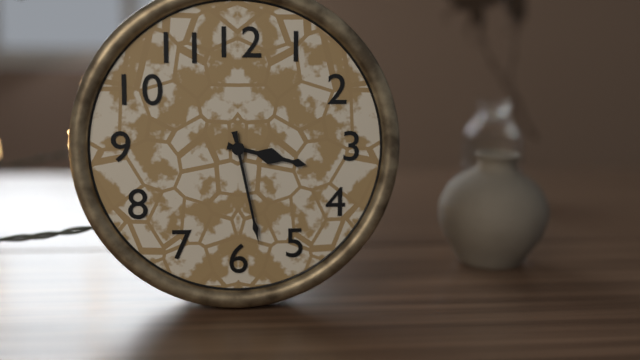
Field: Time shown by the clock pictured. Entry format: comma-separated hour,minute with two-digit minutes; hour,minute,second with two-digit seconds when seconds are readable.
3,28
